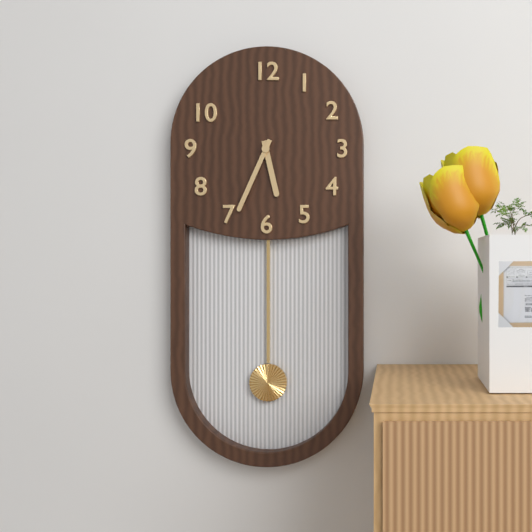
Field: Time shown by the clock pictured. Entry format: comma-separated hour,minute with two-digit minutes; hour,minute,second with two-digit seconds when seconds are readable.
5,34
